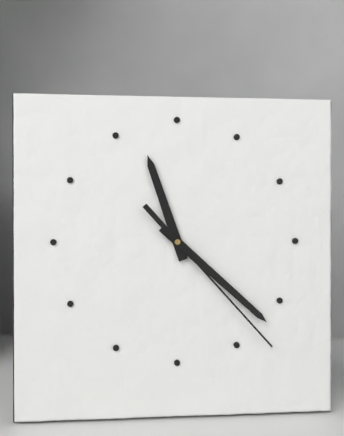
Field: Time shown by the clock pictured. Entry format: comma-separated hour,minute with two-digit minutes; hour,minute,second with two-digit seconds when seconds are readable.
11,22,23
